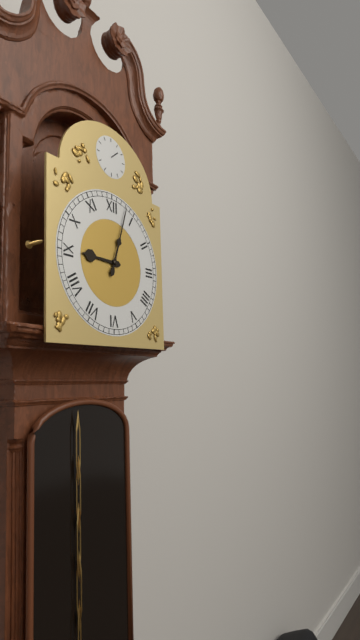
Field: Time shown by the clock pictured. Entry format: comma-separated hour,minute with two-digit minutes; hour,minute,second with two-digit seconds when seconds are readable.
9,03
